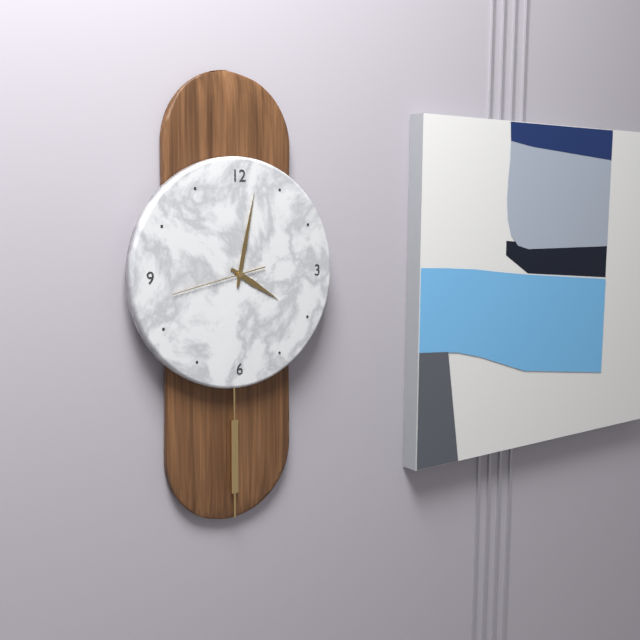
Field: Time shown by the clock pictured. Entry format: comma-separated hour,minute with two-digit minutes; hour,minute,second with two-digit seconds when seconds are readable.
4,02,43
